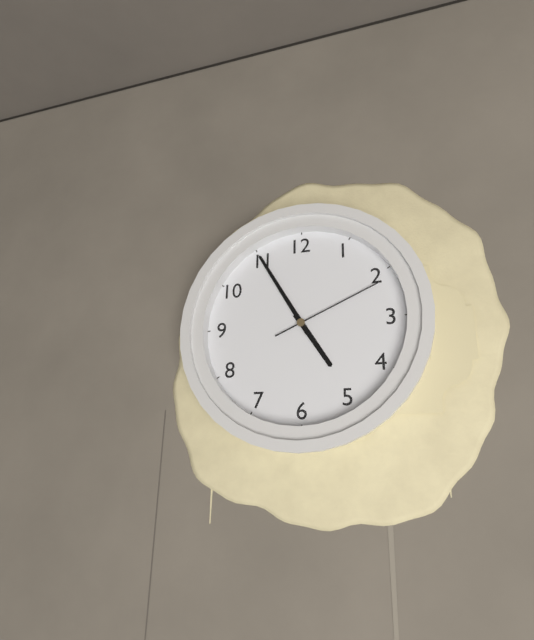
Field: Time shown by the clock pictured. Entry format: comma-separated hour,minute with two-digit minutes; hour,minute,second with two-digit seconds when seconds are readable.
4,55,11
